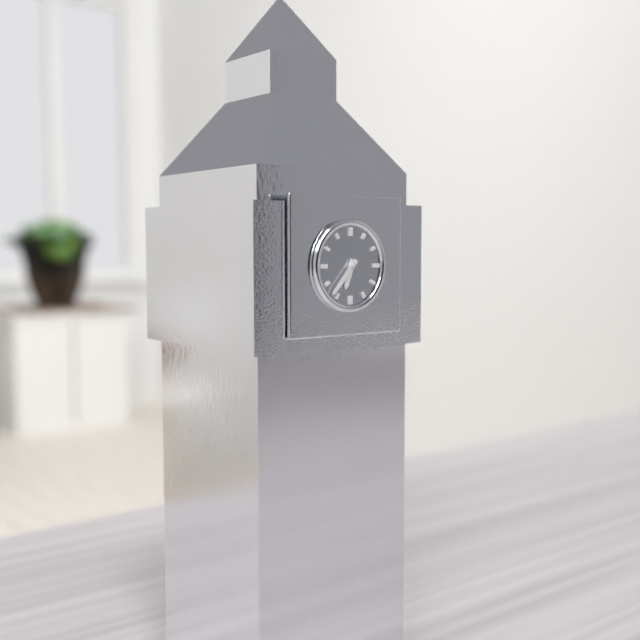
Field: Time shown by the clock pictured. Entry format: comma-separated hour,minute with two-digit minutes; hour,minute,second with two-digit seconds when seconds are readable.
6,37
